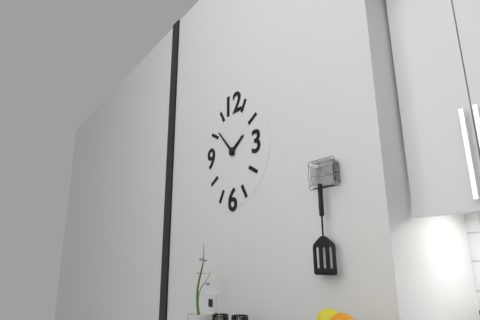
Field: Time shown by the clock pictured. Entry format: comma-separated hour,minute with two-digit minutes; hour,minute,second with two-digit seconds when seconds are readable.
1,53
